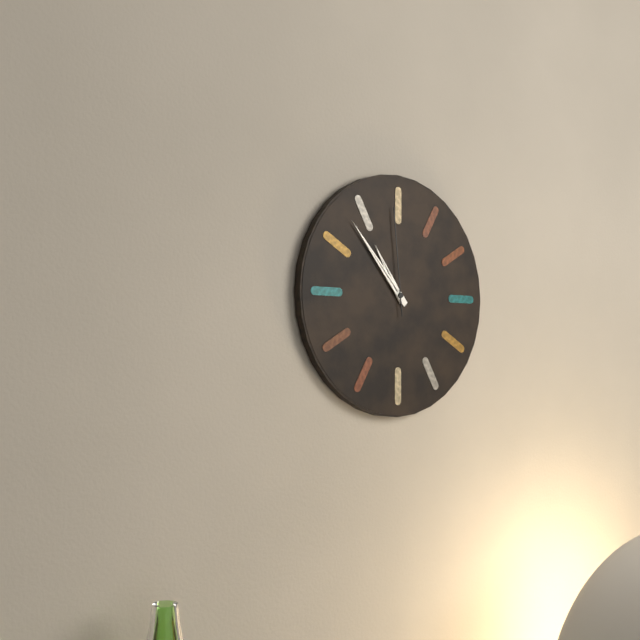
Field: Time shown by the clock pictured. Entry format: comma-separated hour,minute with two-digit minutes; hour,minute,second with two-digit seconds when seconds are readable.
10,53,59
